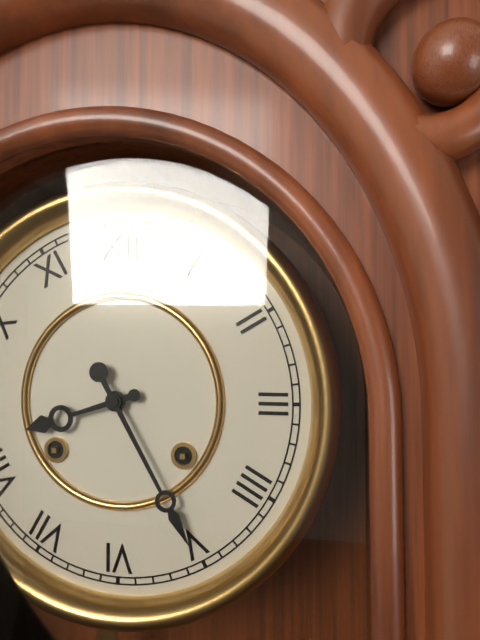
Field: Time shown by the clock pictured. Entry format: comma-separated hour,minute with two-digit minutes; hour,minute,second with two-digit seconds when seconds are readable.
8,25
